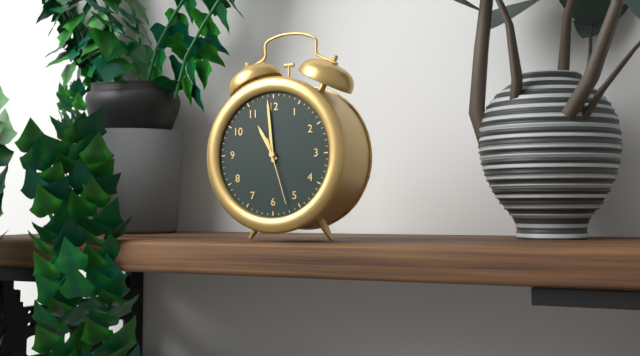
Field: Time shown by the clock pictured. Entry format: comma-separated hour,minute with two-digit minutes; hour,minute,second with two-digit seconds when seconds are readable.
10,59,27
